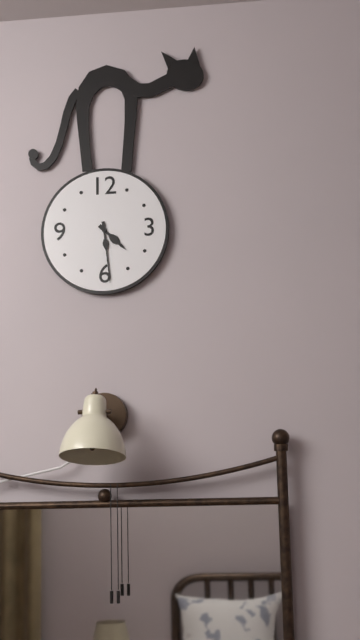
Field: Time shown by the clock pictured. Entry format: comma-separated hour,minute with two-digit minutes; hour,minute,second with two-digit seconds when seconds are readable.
4,29
